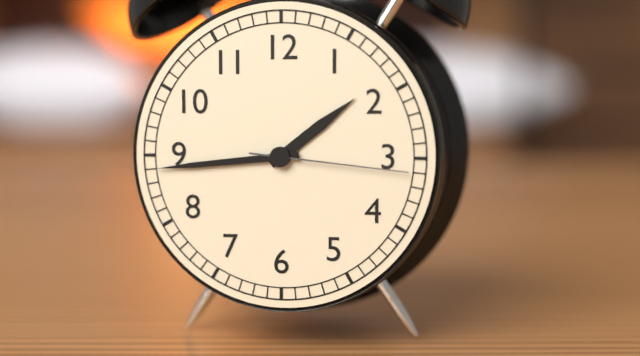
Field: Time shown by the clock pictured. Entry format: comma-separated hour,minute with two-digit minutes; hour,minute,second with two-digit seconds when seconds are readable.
1,44,16
